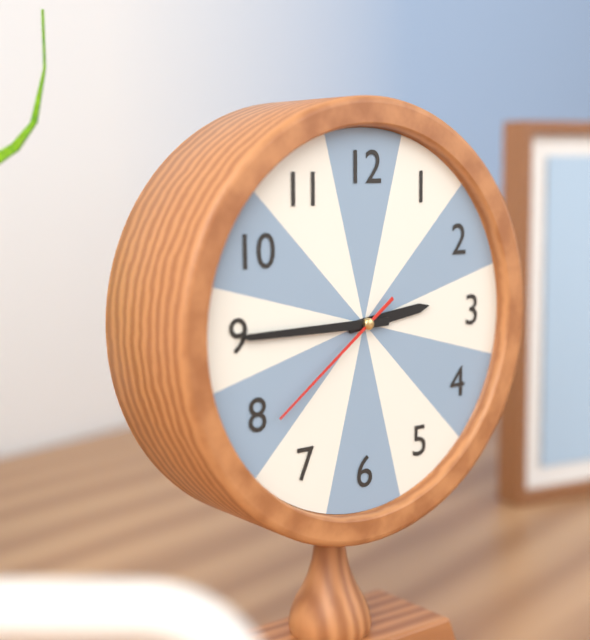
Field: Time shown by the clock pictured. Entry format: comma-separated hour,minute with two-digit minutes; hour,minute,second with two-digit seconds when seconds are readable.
2,45,39
